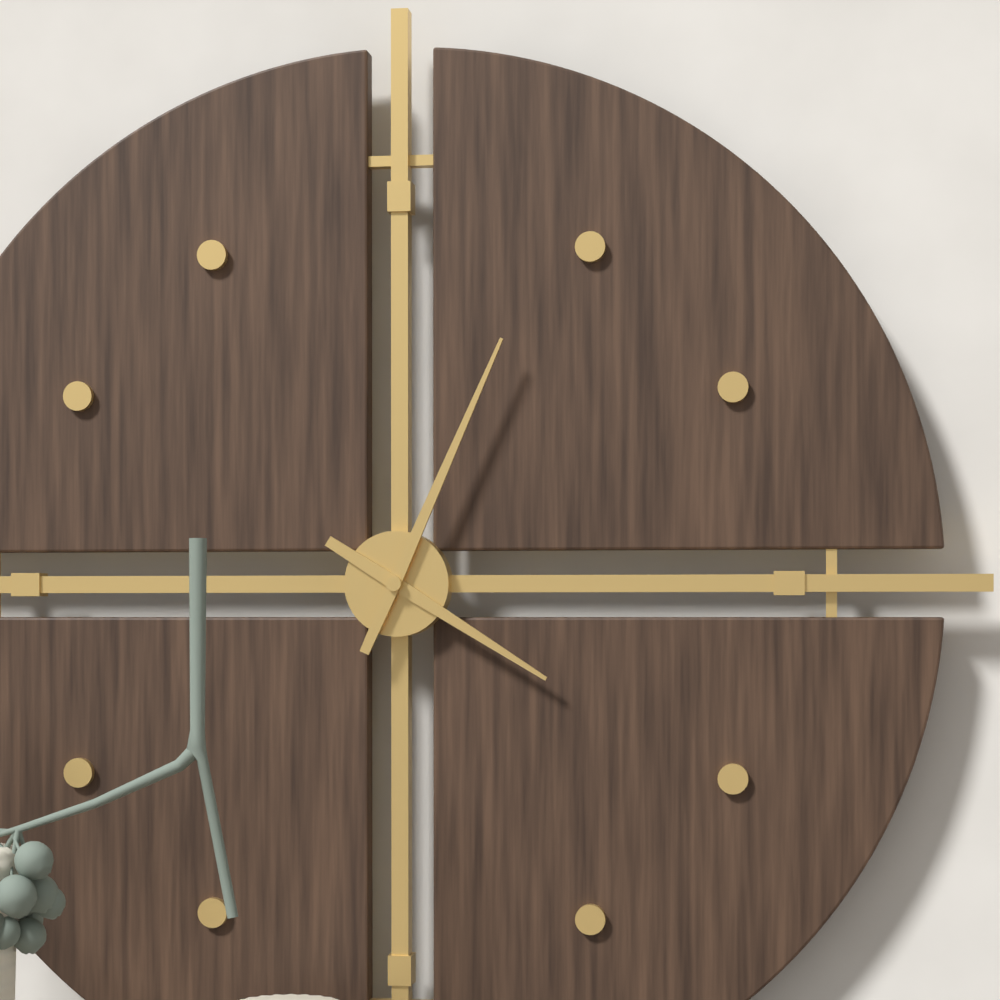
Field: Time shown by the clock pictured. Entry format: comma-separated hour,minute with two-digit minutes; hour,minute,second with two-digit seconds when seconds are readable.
4,04
